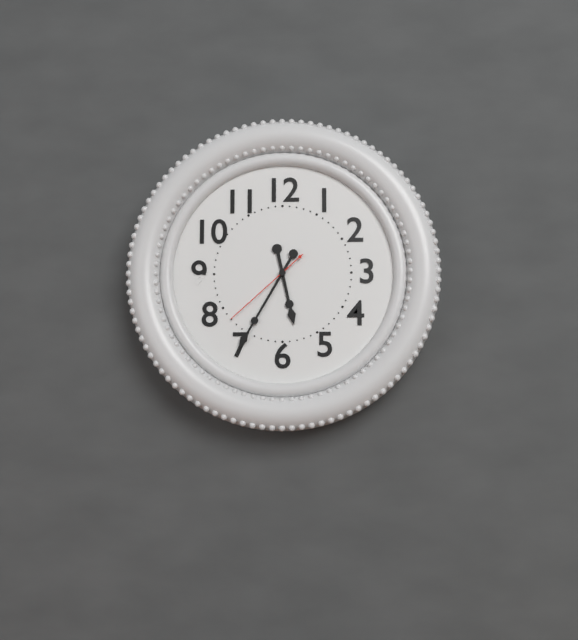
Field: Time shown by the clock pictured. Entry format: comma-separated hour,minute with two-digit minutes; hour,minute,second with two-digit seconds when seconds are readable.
5,35,38
